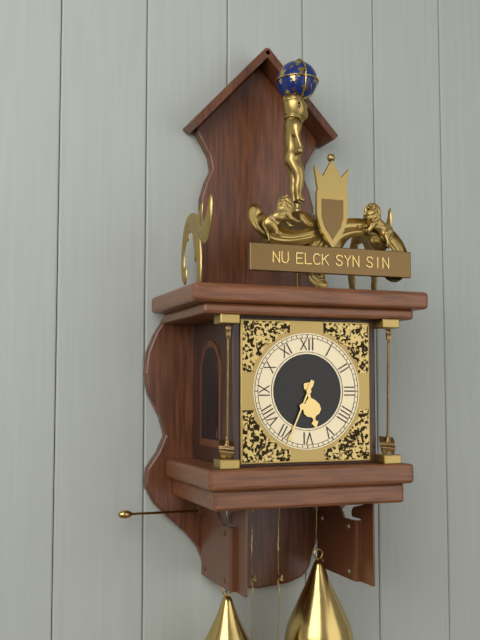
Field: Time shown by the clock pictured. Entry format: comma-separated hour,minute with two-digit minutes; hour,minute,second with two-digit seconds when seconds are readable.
5,34
